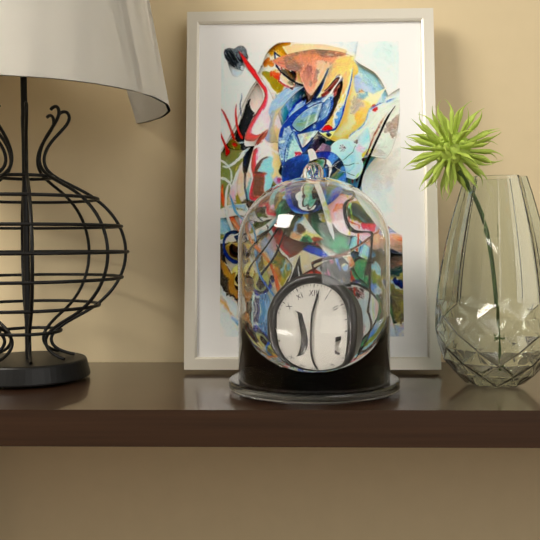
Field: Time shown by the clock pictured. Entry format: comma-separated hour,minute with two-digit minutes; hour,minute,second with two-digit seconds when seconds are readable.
10,02
